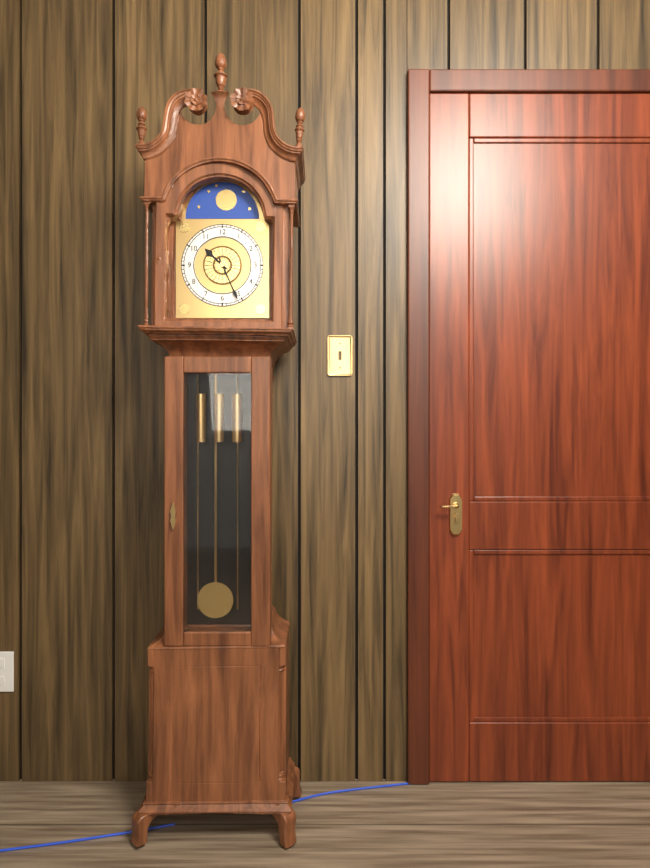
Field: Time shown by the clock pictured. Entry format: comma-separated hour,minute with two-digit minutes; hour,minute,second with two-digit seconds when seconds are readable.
10,26
